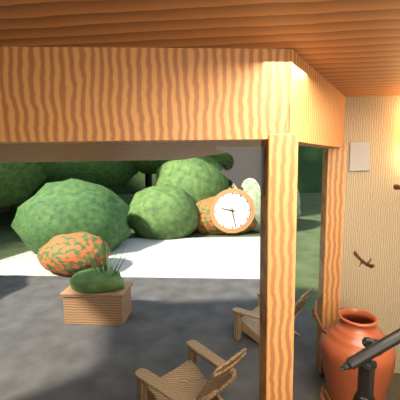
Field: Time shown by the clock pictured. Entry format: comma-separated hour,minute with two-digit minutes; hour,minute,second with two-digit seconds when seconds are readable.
9,28
